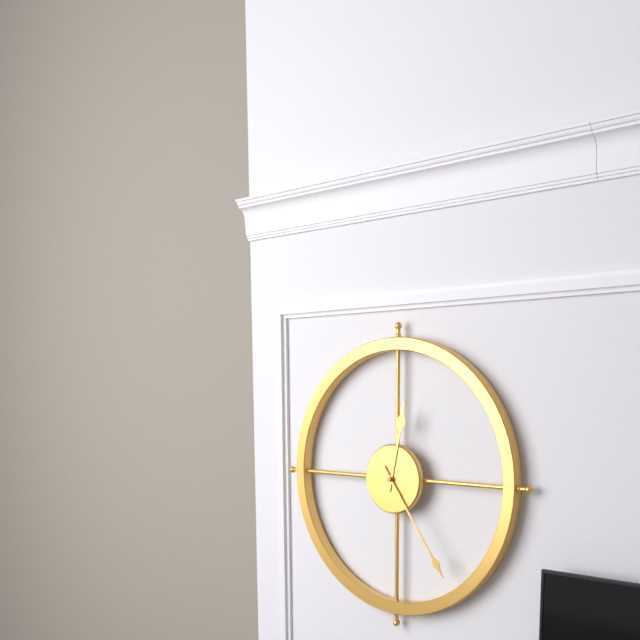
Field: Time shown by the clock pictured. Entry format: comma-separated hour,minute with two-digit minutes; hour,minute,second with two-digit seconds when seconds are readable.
12,24
